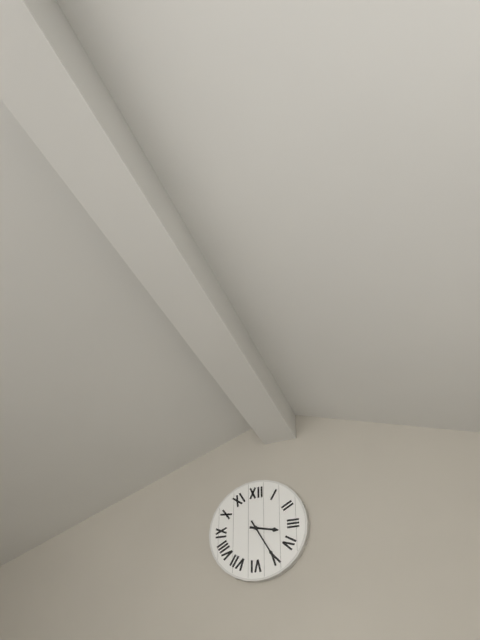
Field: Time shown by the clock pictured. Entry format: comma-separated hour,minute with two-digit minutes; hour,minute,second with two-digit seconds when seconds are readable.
3,25
